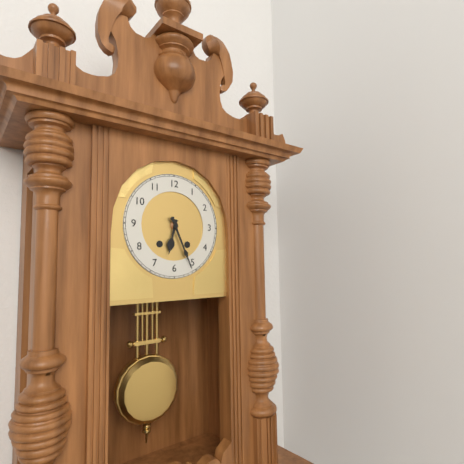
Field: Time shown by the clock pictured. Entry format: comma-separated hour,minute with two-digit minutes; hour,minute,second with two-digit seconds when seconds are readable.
6,26
